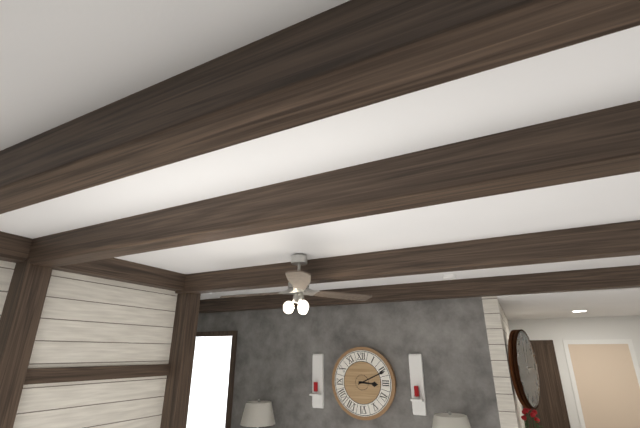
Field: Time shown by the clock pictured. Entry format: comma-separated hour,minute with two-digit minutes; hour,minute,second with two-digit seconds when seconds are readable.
3,11
